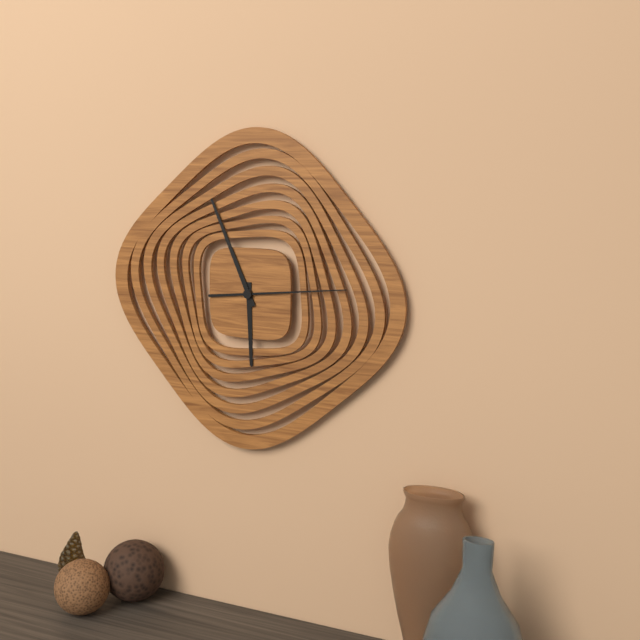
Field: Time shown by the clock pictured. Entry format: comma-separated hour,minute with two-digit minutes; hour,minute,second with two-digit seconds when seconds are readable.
5,56,14
